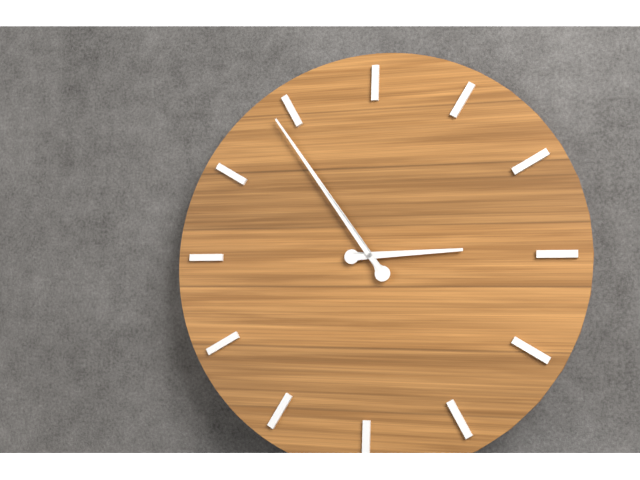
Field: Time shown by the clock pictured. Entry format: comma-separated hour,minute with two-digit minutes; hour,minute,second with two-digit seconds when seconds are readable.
2,54
